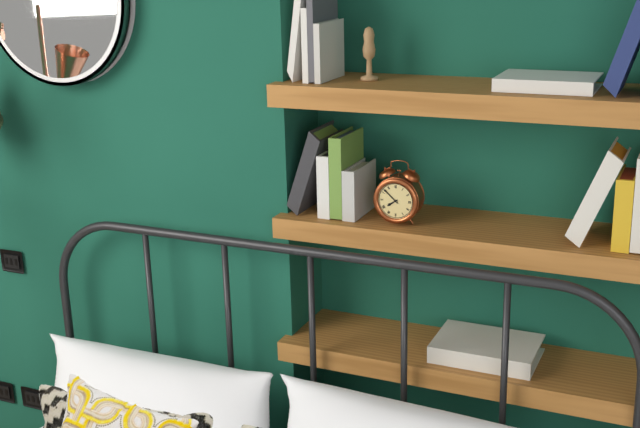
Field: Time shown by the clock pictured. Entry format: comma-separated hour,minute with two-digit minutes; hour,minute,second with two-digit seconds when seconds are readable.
7,52
